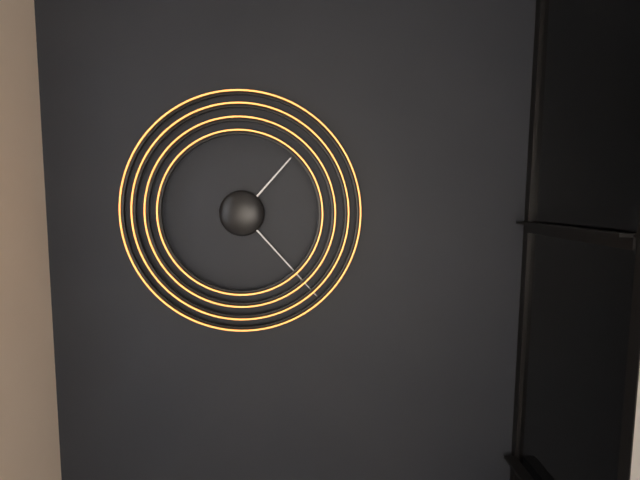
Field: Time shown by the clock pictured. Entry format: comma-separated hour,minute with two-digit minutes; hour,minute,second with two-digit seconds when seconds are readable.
1,23,23
